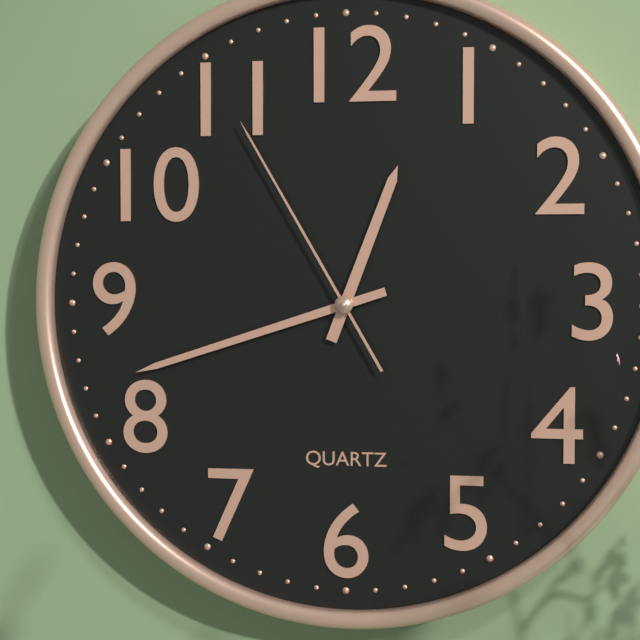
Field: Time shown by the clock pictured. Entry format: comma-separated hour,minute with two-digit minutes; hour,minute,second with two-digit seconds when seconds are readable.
12,42,55
